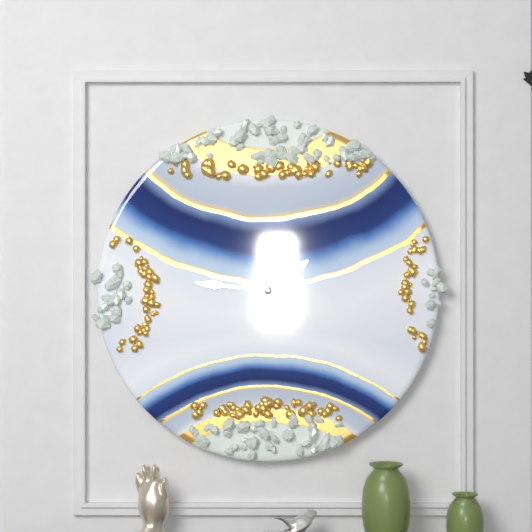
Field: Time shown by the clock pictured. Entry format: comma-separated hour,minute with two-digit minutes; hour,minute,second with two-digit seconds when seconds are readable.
1,46
